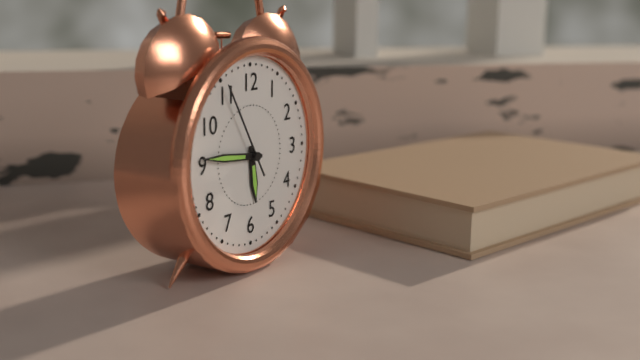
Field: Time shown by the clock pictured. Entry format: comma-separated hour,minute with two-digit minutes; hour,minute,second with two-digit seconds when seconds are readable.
5,46,55
